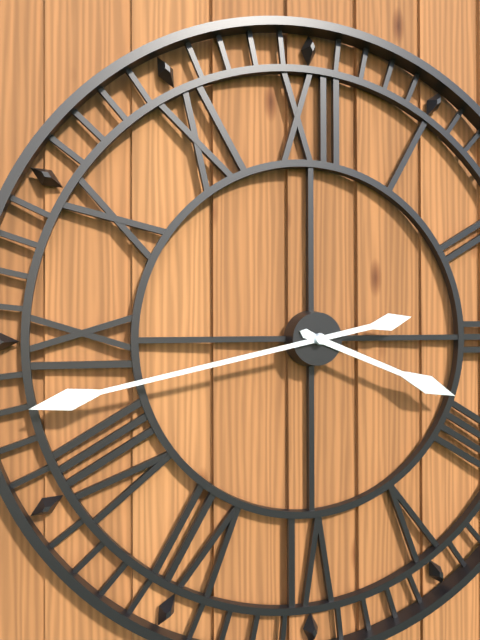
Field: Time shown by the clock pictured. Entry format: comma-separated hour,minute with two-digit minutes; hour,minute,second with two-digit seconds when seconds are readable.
3,43
